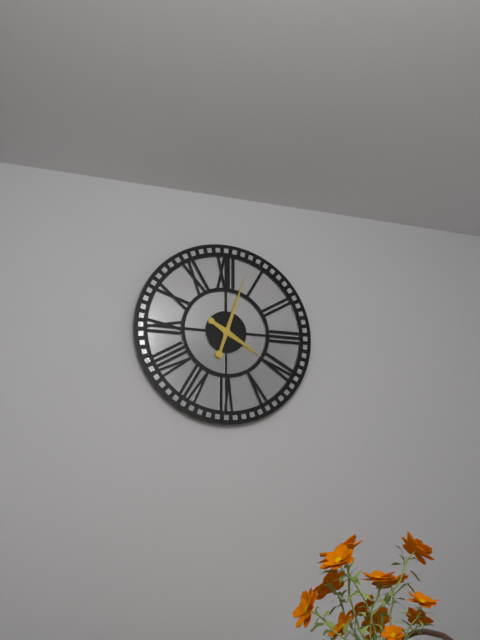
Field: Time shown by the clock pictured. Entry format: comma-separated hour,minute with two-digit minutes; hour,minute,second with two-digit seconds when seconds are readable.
4,03
